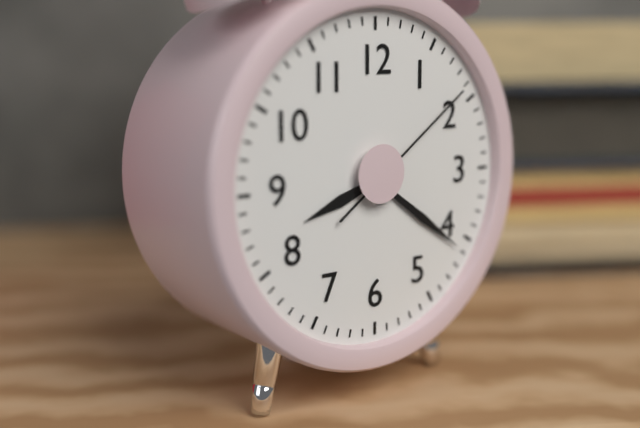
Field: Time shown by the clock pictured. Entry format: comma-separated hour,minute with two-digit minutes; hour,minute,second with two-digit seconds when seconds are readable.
8,21,09
